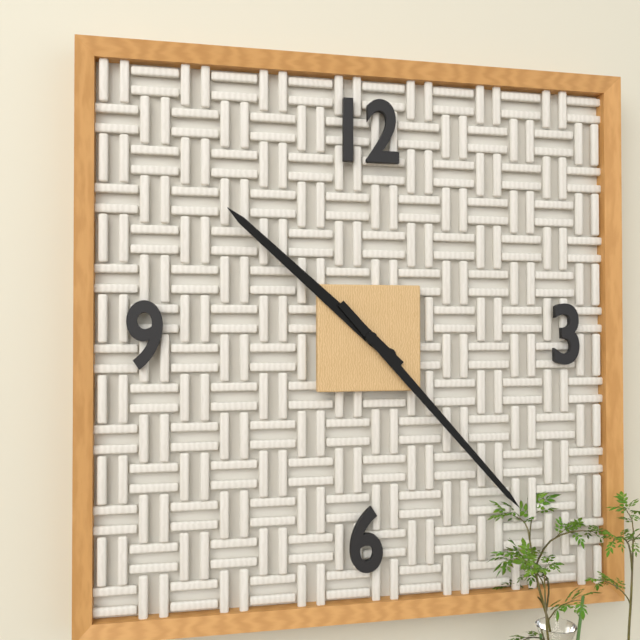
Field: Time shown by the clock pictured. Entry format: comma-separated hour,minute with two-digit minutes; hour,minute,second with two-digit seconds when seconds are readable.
10,23
